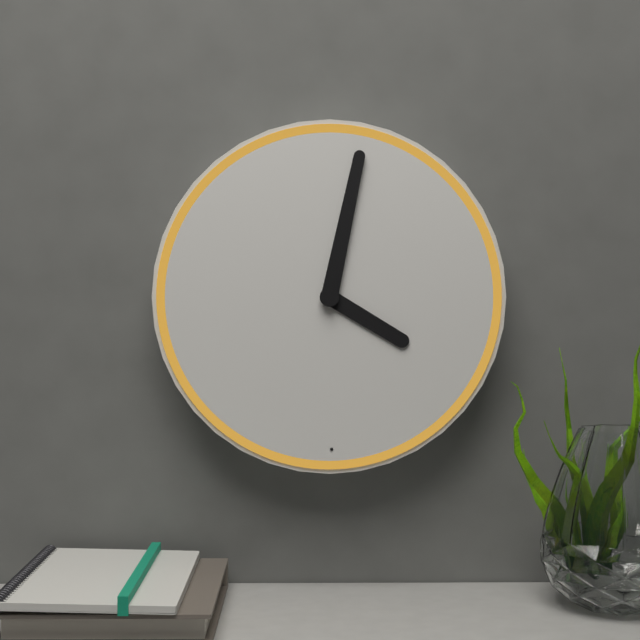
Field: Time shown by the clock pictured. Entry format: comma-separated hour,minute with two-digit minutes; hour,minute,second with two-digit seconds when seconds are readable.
4,02
